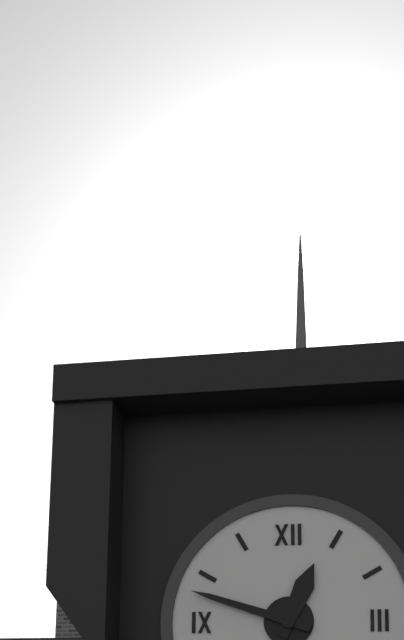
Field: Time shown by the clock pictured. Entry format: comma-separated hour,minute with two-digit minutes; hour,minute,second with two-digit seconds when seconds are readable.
12,48
